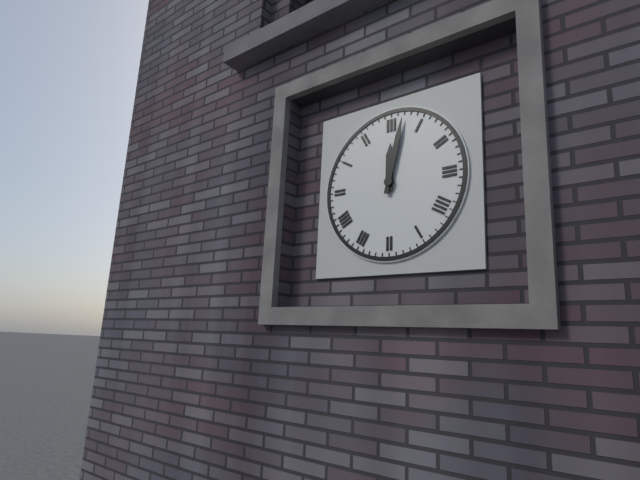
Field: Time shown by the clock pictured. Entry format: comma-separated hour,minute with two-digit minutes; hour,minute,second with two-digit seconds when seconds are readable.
12,02
